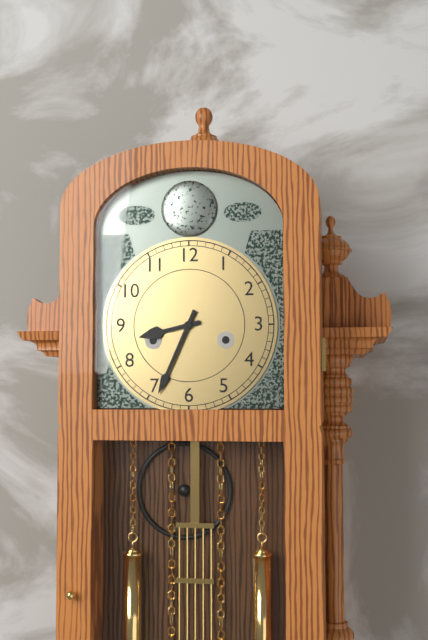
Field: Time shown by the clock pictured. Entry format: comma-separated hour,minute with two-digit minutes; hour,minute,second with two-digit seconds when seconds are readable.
8,34
